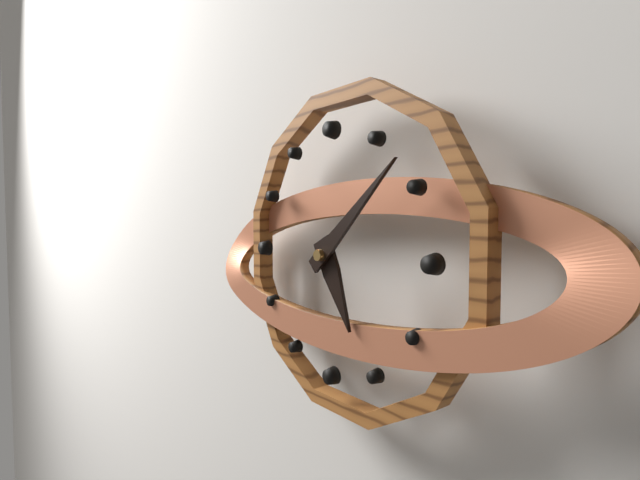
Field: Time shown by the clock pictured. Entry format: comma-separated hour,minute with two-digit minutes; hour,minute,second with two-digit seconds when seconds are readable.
5,08
